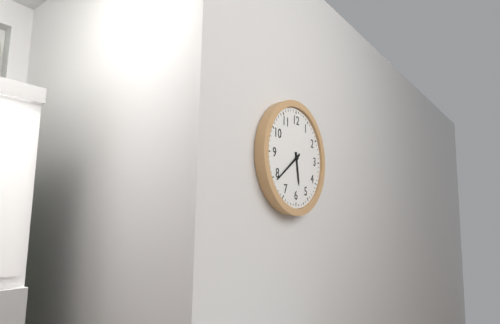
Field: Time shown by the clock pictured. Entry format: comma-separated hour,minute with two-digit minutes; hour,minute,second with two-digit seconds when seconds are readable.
5,39
